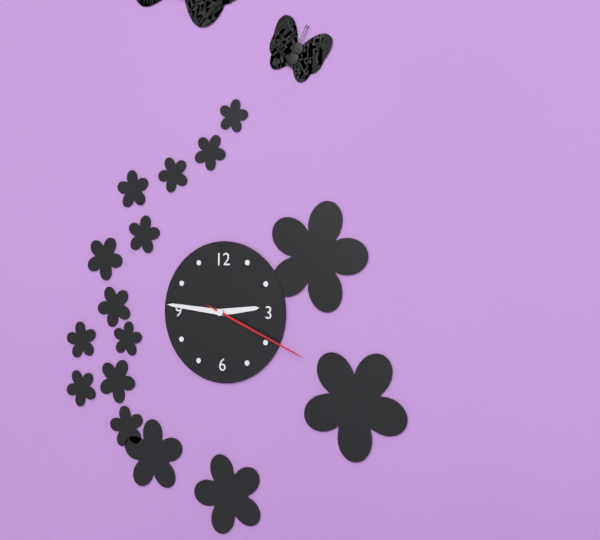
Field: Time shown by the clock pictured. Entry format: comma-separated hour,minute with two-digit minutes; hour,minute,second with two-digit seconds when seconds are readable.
2,46,19
